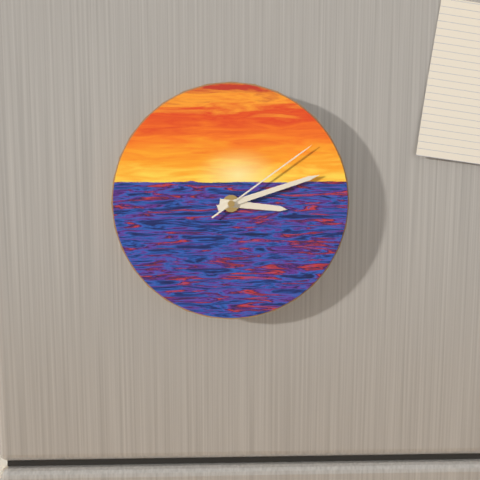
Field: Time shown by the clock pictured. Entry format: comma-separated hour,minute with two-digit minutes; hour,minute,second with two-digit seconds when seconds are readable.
3,12,09
